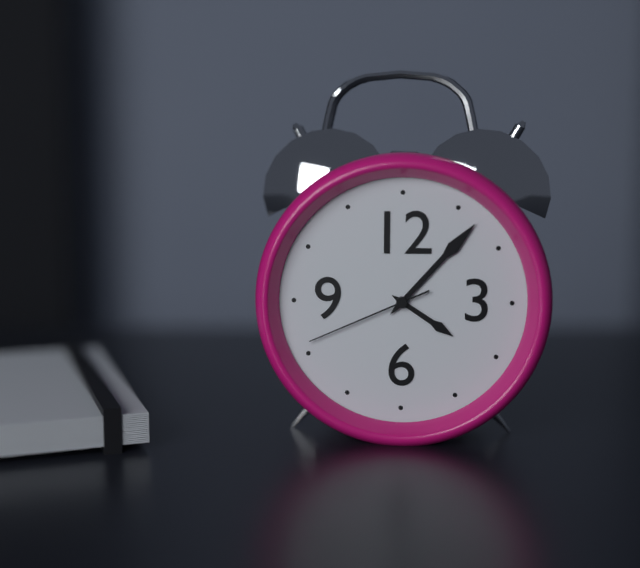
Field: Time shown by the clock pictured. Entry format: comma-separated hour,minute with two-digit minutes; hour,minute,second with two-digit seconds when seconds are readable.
4,07,41
